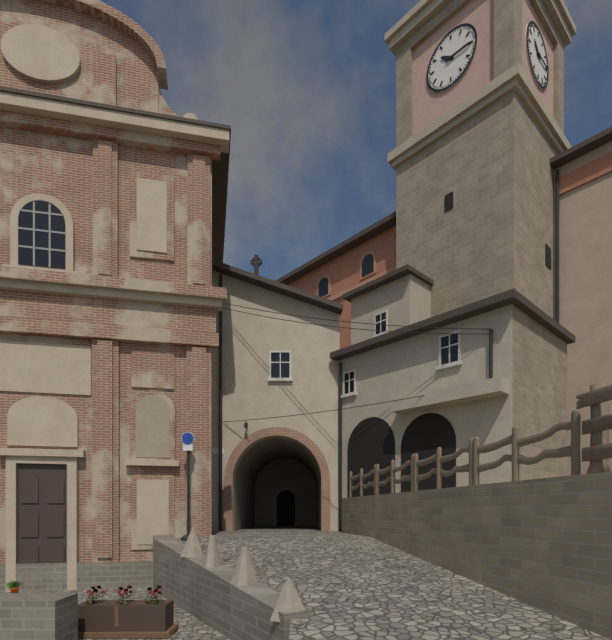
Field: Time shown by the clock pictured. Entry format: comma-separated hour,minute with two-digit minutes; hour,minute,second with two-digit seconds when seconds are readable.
10,15
